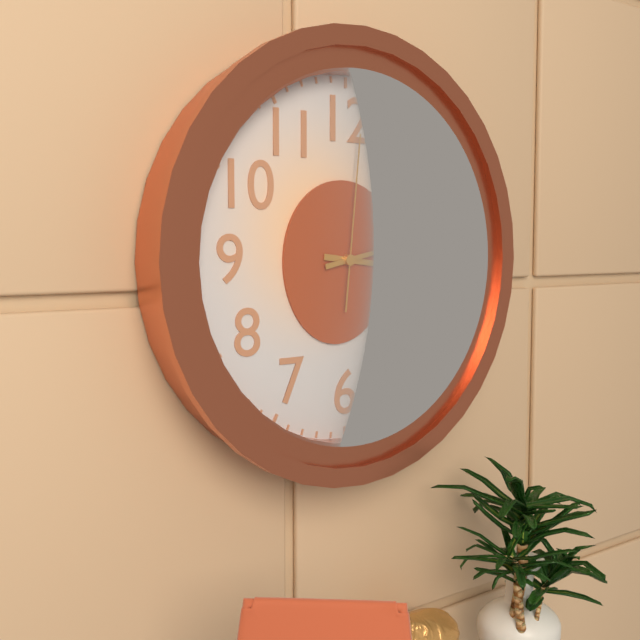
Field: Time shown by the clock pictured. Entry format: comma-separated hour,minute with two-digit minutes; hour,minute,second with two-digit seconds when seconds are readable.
3,13,01
